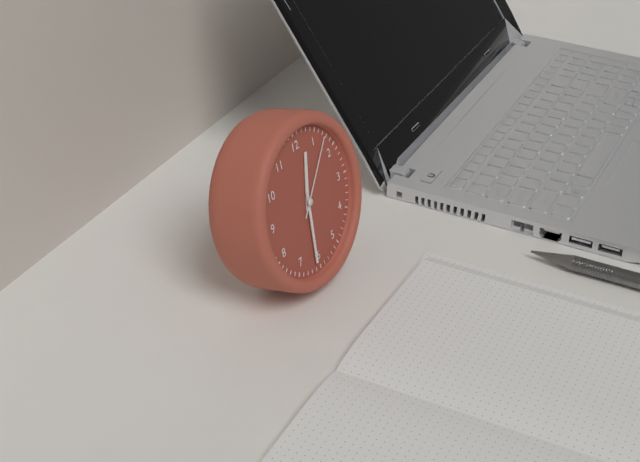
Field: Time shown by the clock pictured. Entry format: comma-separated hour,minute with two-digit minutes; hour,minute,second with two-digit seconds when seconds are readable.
12,31,07
